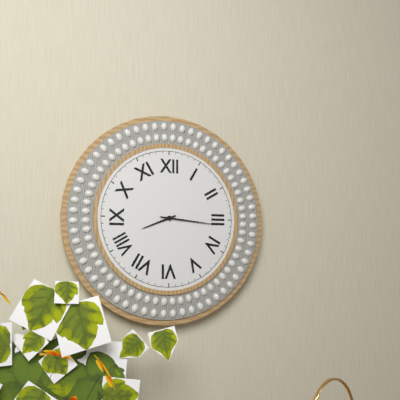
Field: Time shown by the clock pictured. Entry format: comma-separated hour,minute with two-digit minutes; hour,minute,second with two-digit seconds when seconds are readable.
8,16
